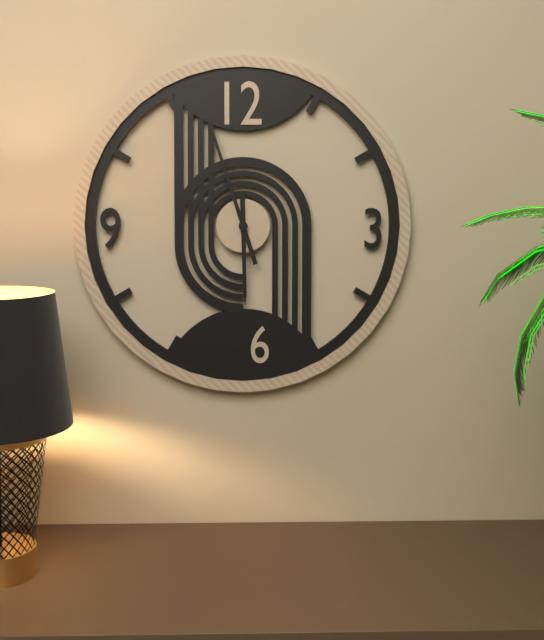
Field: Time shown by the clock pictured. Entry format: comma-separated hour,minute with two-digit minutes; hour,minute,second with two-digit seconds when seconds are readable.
5,57
